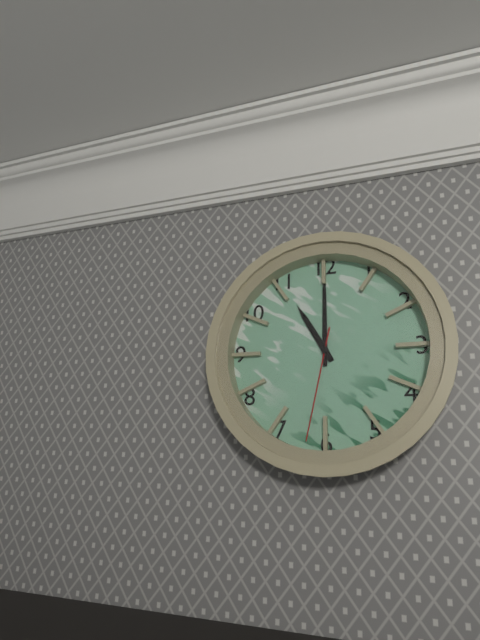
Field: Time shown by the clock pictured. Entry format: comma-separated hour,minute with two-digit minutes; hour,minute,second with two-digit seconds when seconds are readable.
11,00,32
